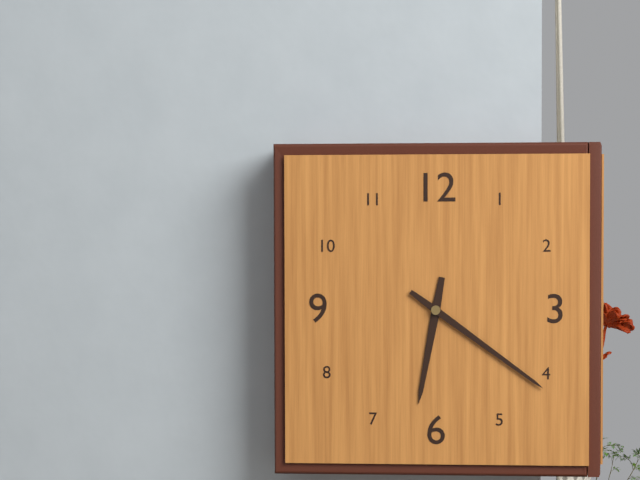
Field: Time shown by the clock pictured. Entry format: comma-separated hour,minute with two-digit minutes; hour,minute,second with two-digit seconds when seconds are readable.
6,21
